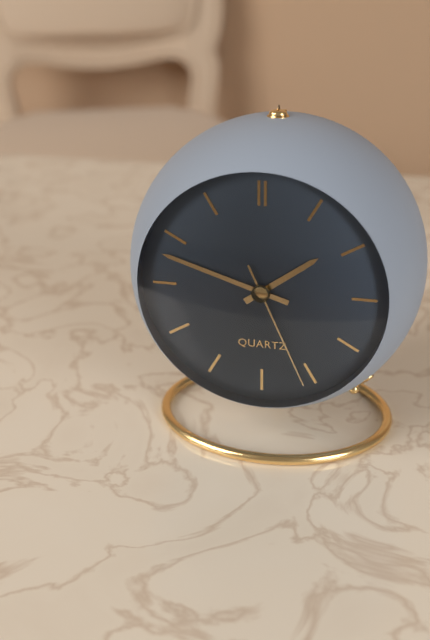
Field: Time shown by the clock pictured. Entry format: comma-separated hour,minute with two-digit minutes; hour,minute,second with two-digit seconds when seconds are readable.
1,48,26
